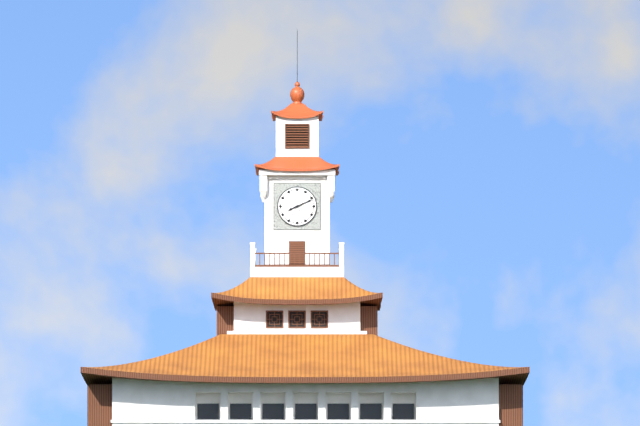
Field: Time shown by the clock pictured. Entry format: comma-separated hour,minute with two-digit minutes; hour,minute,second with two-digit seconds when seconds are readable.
8,11
